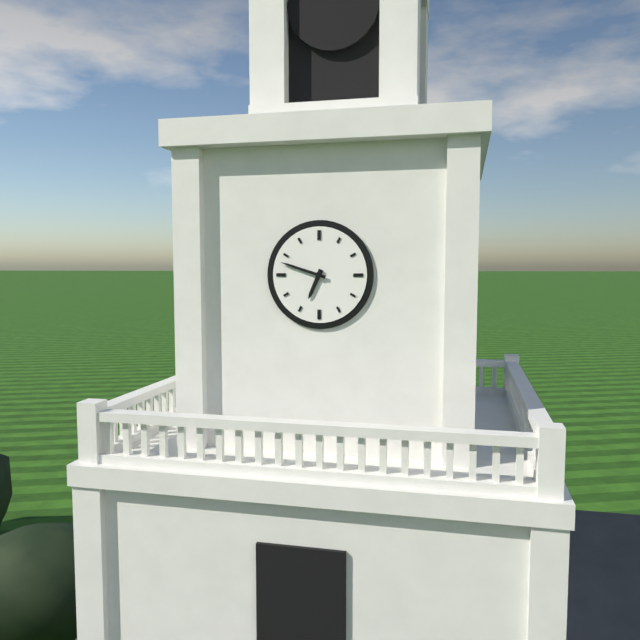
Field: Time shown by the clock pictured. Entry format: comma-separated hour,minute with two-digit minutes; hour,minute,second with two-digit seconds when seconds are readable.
6,48
